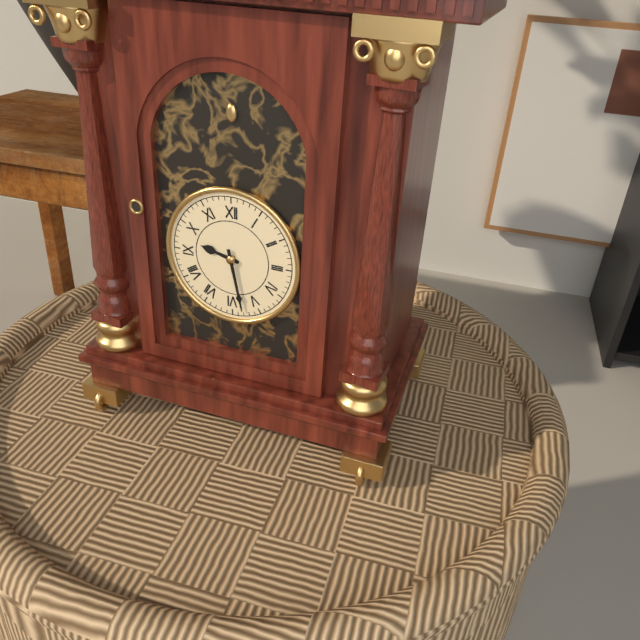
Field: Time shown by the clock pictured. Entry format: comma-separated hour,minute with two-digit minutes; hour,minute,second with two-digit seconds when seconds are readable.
9,28
